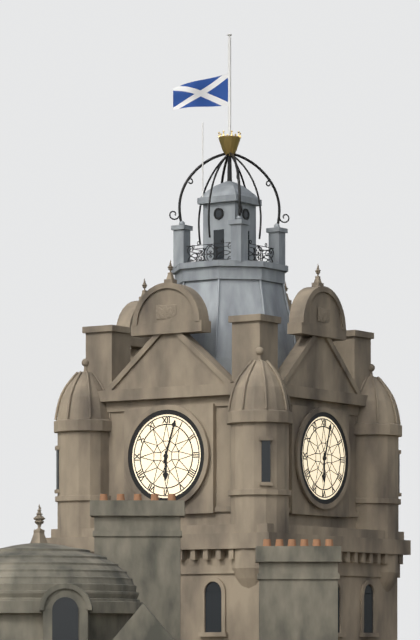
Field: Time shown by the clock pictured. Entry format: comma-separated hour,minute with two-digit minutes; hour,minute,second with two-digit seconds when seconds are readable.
6,03
